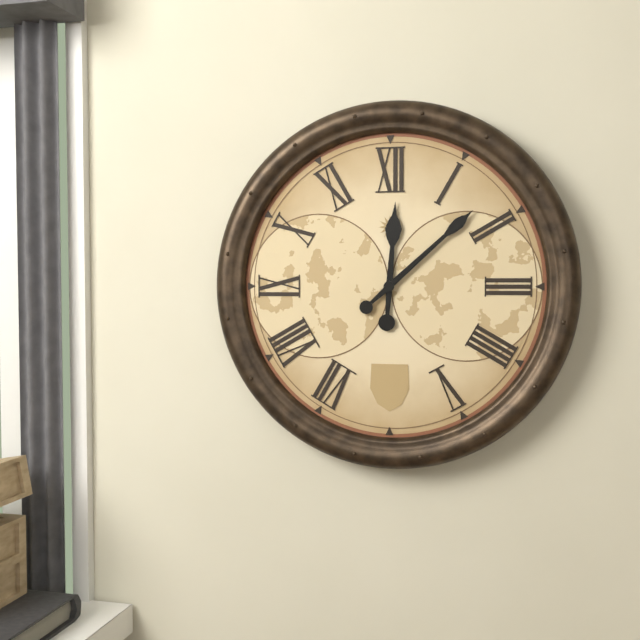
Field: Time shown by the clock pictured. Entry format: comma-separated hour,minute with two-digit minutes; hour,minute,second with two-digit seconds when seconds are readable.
12,08
